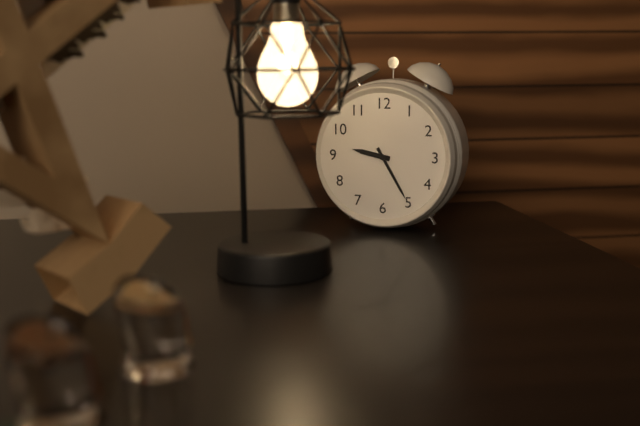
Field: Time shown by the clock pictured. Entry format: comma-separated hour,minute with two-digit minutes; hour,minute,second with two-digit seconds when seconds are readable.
9,25
